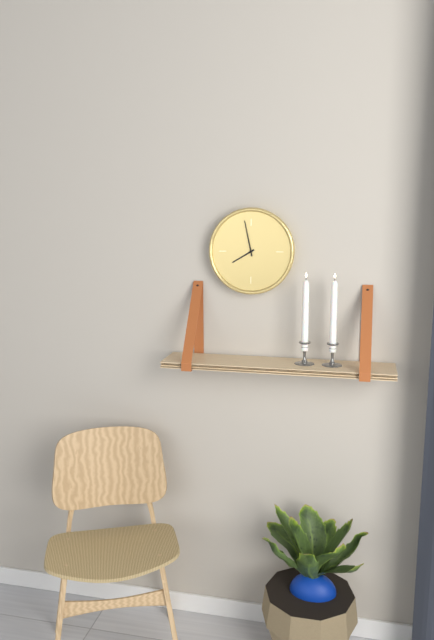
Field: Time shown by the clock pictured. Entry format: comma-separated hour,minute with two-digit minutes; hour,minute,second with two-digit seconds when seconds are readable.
7,58
